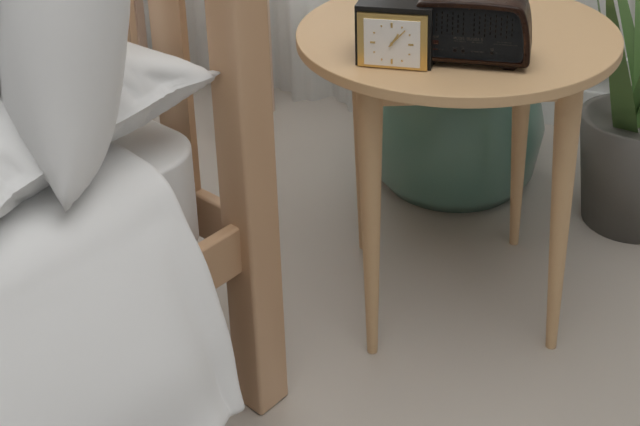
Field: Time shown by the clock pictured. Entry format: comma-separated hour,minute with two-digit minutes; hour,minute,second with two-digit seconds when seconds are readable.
1,07
